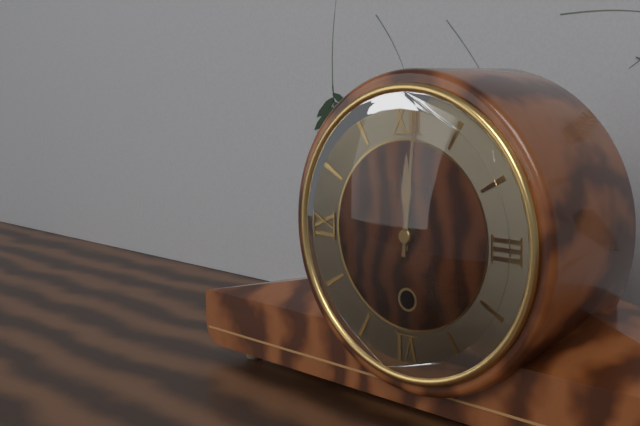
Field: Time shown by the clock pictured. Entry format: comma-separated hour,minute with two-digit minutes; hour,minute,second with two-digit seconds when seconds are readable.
12,01
